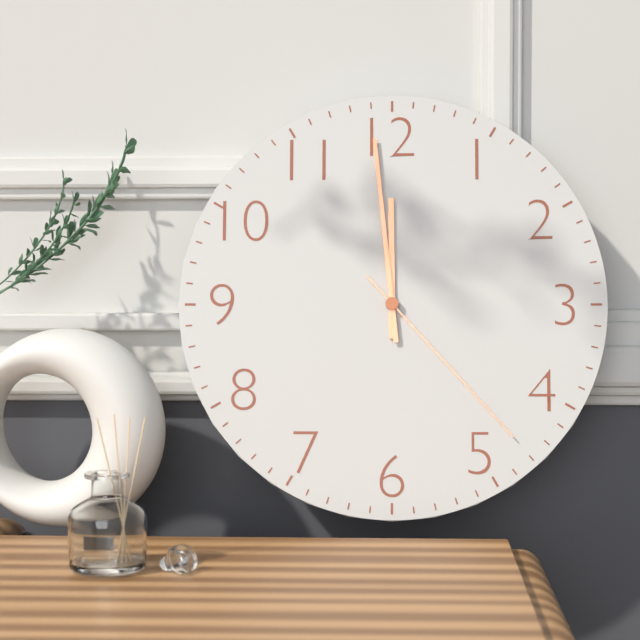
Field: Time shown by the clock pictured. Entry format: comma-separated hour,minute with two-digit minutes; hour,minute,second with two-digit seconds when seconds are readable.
11,59,23
